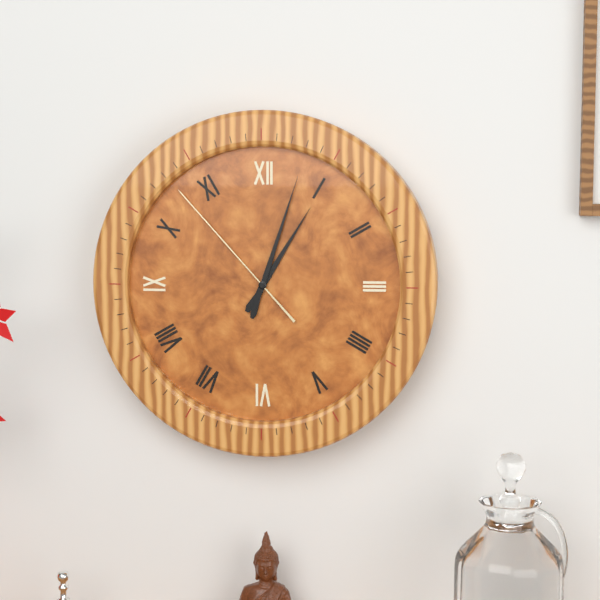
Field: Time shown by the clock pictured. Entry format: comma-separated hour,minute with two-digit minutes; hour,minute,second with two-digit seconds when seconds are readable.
1,03,53
